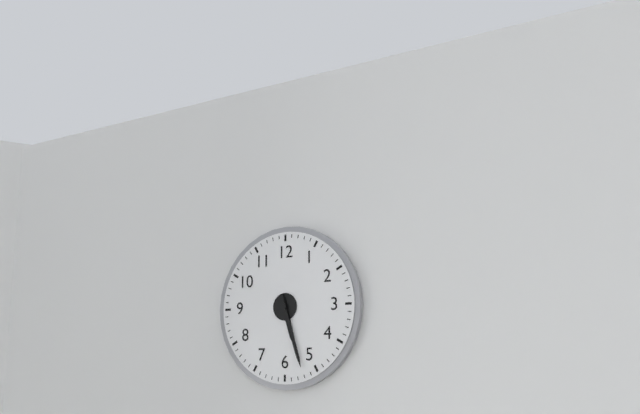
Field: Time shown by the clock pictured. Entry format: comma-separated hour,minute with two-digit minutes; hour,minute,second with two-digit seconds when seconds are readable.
5,27
